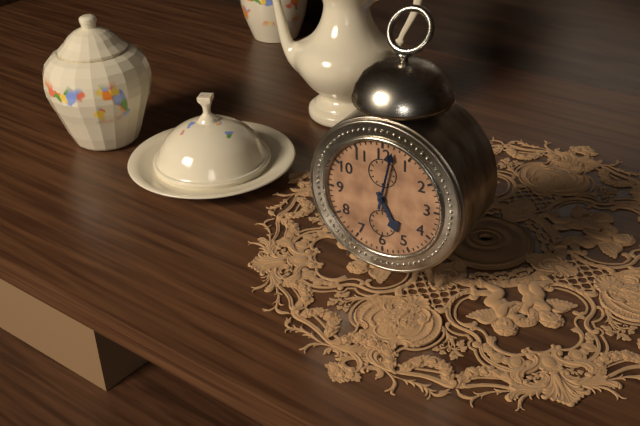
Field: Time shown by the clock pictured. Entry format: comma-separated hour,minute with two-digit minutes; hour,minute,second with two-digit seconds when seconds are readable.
5,02
